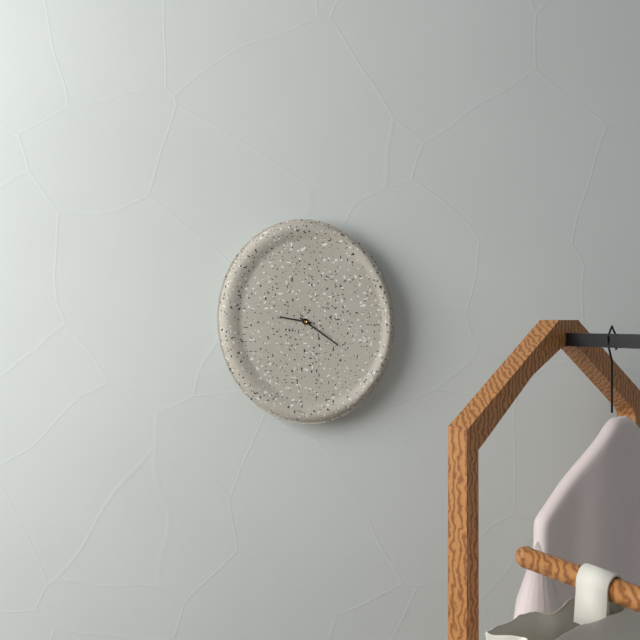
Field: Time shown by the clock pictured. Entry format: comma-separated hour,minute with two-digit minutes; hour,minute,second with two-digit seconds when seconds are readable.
9,21
